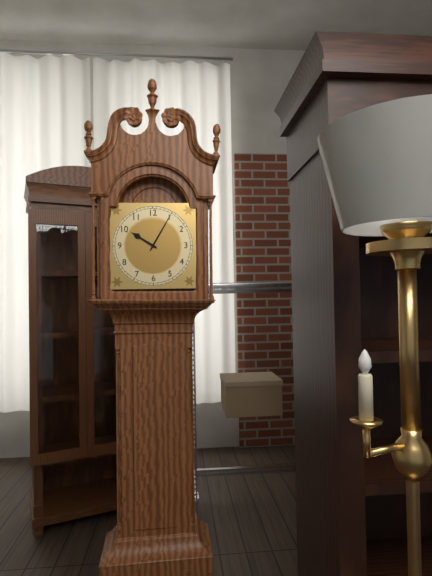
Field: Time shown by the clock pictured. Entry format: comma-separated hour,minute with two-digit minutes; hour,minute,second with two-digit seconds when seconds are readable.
10,05
